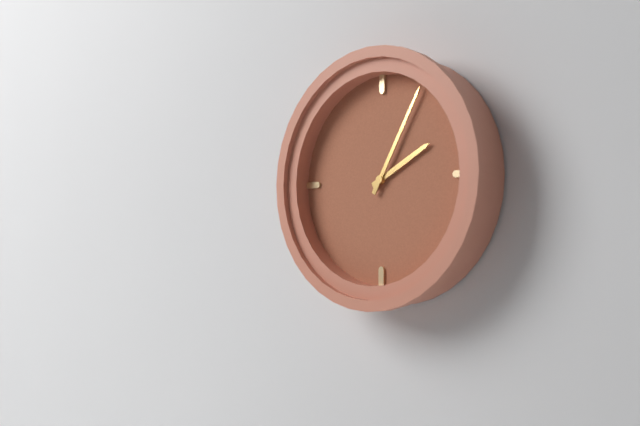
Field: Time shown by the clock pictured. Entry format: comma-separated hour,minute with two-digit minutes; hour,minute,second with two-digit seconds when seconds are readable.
2,05
